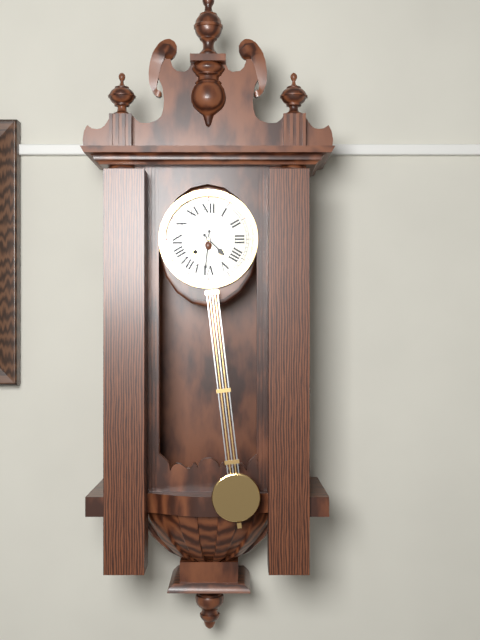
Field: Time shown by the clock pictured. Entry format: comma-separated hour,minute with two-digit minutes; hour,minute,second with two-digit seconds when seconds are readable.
4,31
